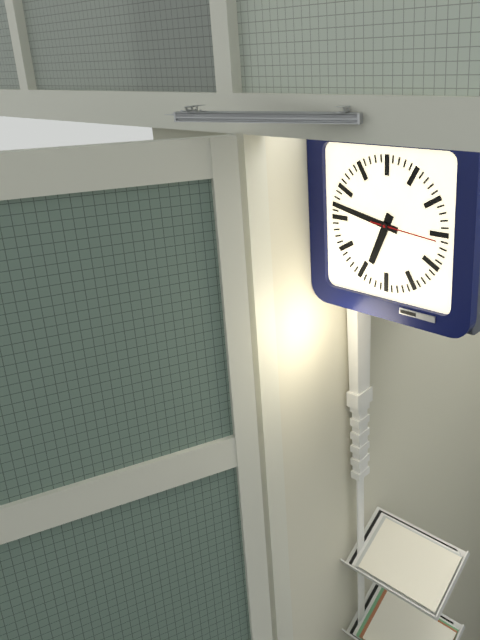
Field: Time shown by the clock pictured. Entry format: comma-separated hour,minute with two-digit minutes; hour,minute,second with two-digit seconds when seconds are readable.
6,47,16
